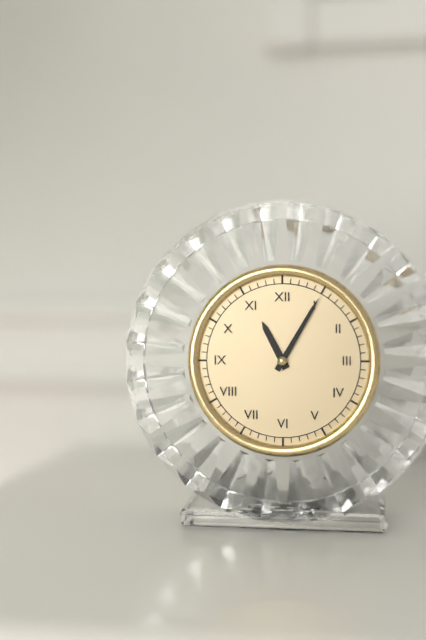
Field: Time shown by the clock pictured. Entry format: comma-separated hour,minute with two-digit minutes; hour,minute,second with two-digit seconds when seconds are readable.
11,05
